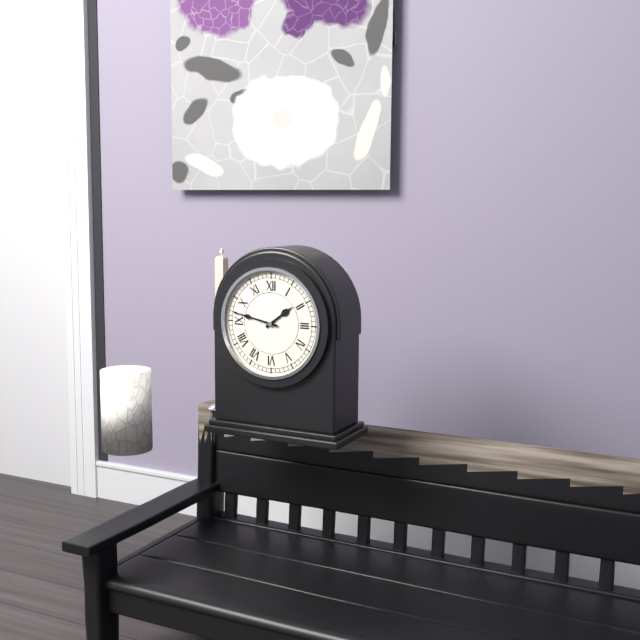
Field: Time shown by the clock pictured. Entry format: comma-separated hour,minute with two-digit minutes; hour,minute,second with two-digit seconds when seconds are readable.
1,47
